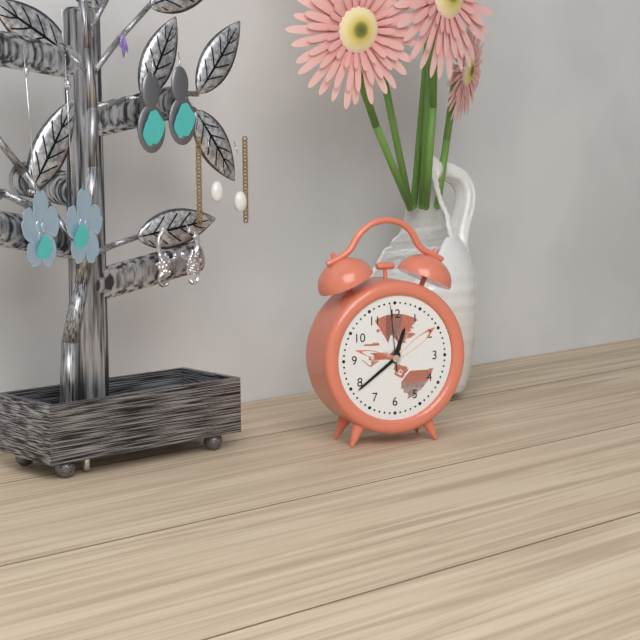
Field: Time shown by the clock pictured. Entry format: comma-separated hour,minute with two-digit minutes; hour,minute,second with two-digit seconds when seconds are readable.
12,39,59
